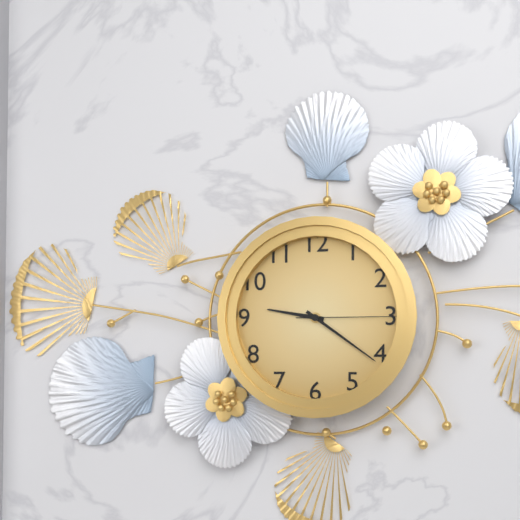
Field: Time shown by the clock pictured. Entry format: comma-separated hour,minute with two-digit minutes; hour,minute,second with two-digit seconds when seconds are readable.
9,21,15
